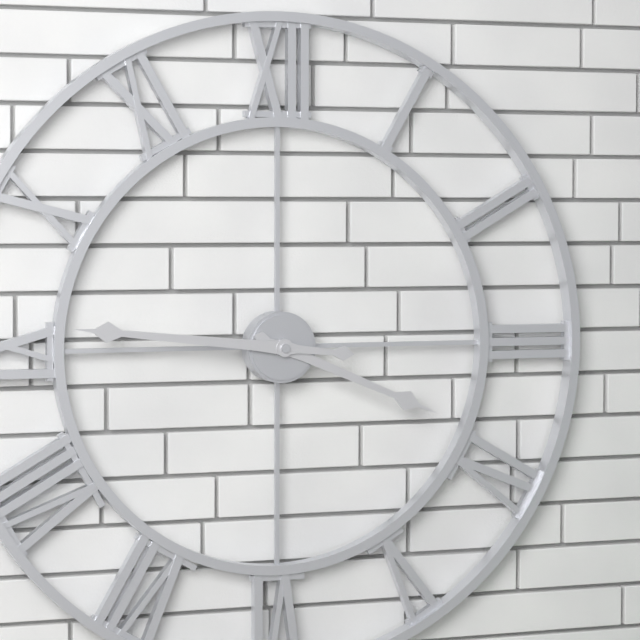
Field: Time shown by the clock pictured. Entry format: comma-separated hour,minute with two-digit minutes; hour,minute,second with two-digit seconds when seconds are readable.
3,46
